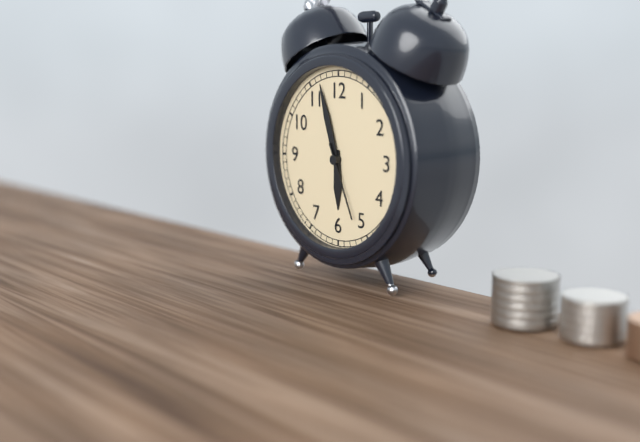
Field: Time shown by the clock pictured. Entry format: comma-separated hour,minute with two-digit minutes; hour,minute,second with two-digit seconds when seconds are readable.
5,57,26
